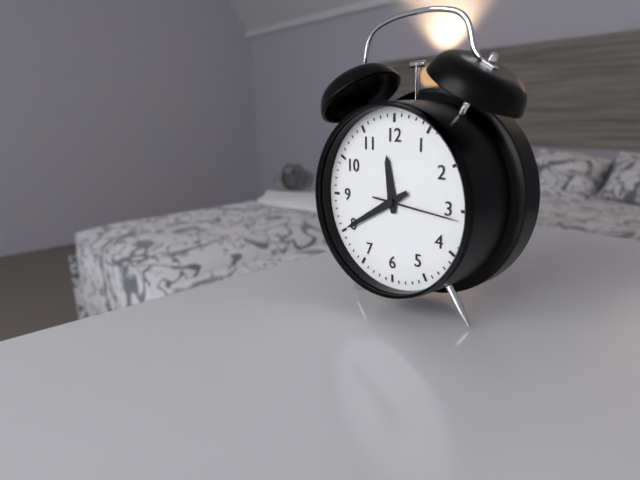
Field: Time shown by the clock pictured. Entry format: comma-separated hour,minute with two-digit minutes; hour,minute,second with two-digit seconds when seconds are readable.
11,40,16
